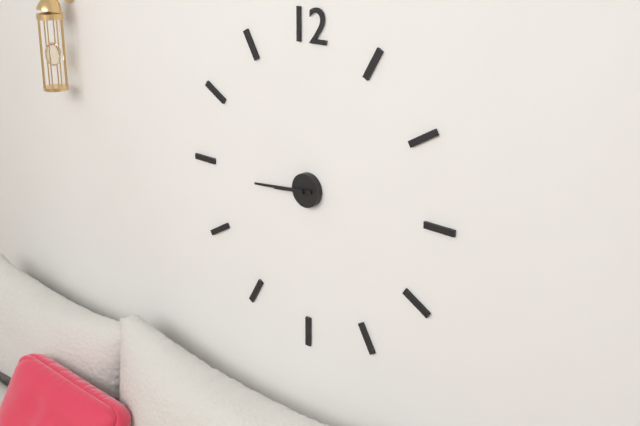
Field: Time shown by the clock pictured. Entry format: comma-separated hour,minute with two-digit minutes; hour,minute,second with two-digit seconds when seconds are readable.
8,44
